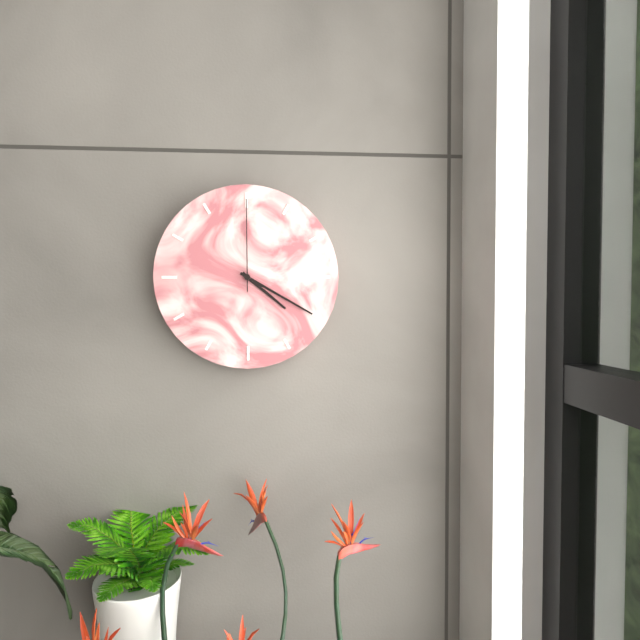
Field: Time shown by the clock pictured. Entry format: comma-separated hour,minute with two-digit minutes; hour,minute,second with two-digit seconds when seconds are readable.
4,20,00
